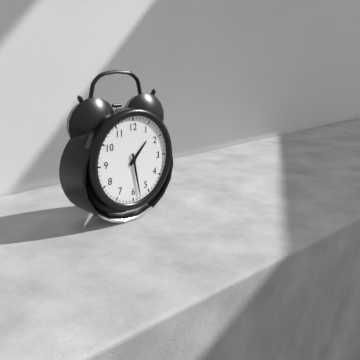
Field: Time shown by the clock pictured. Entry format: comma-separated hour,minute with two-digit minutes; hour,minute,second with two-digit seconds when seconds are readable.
1,28
